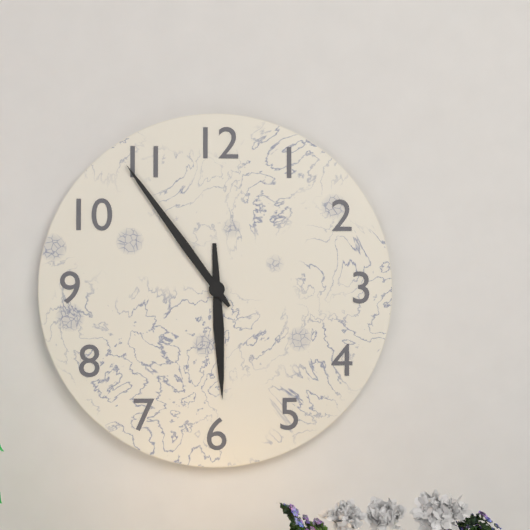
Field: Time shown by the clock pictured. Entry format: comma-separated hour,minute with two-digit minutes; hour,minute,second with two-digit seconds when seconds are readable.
5,54
